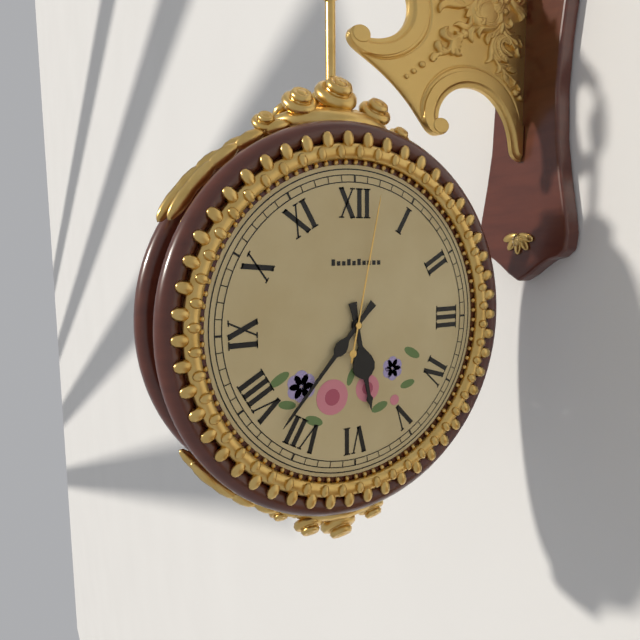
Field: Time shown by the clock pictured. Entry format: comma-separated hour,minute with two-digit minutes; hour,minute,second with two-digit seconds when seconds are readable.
5,37,02
